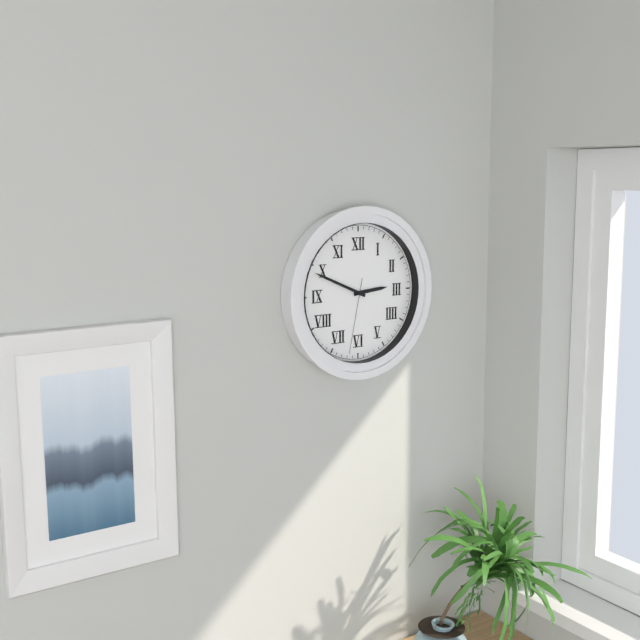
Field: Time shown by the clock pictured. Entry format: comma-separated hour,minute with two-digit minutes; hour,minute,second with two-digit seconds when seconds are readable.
2,49,32
